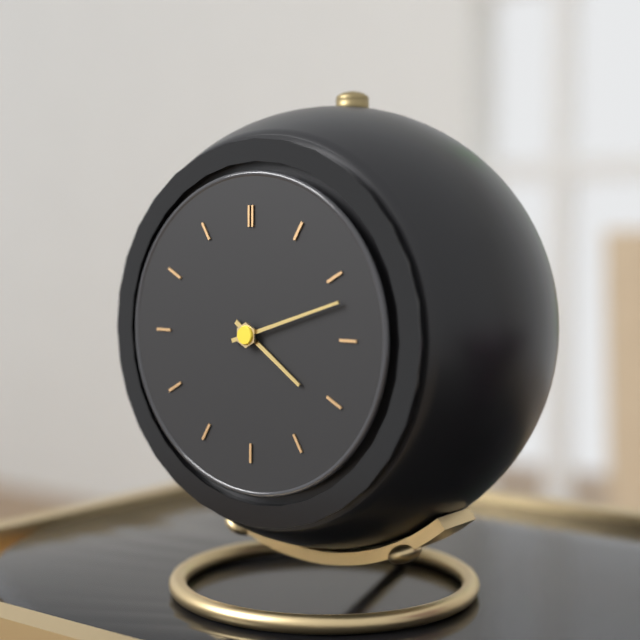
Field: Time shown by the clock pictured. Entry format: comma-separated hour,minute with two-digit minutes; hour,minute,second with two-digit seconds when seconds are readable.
4,12
